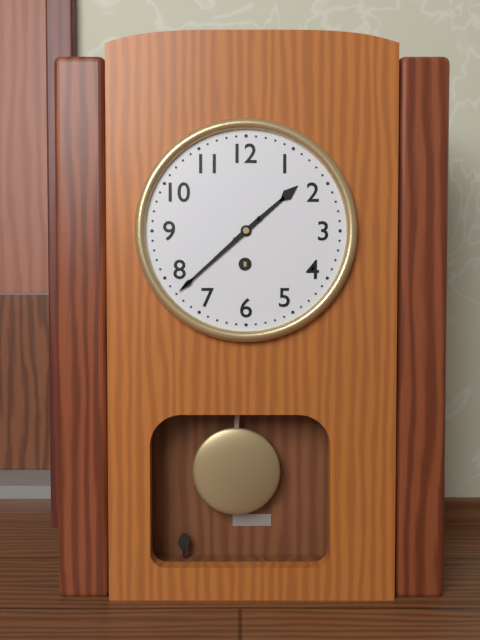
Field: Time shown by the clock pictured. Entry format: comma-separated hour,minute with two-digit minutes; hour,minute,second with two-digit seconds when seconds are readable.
1,38
